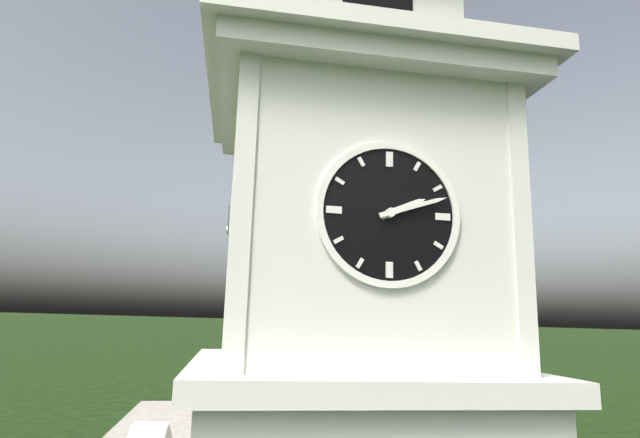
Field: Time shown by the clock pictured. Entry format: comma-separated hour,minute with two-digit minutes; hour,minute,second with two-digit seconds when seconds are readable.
2,12
